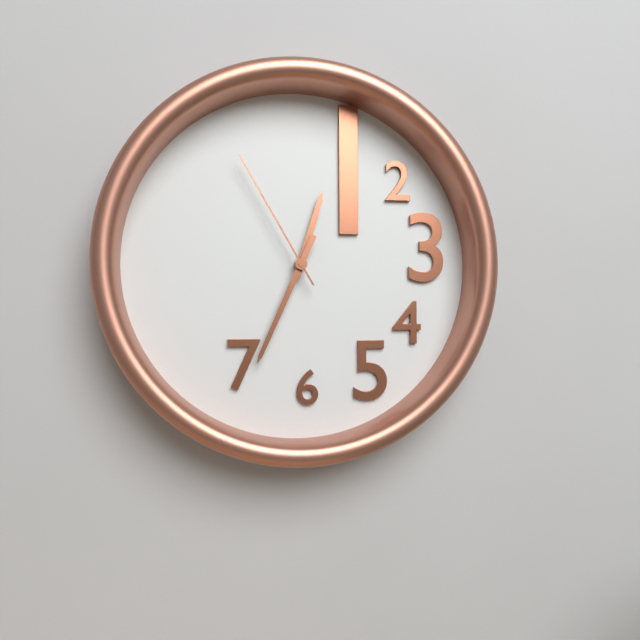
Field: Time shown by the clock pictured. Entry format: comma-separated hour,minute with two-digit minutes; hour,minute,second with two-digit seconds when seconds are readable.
12,34,55
